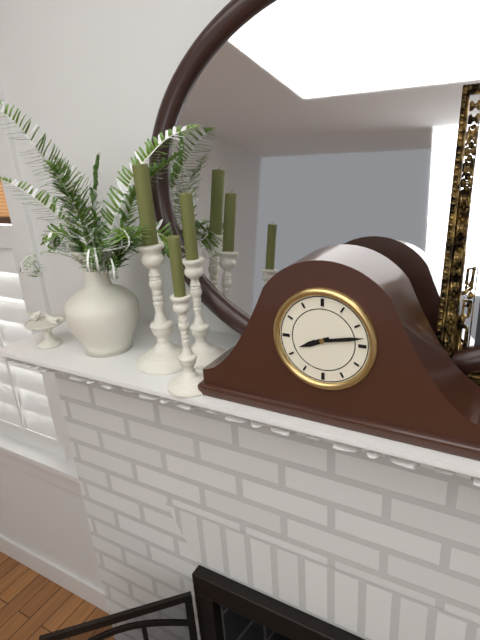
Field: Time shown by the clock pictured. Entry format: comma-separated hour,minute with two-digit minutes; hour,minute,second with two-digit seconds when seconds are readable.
8,13
